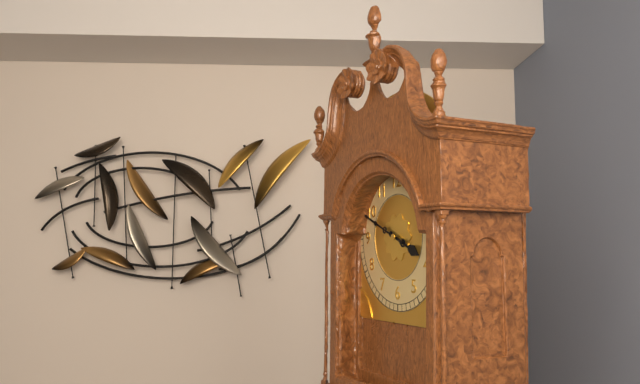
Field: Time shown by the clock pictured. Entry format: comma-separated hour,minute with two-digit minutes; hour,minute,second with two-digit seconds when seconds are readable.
3,49
